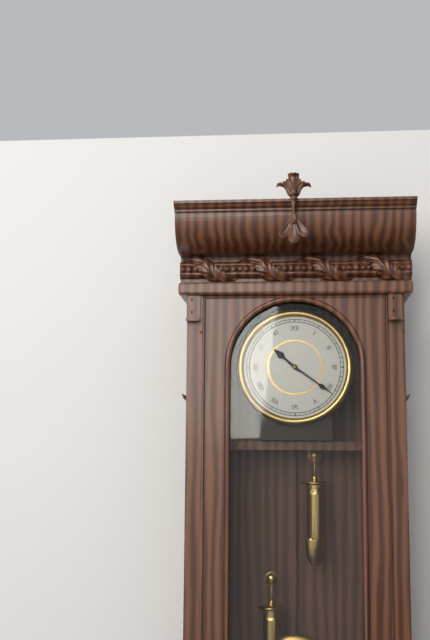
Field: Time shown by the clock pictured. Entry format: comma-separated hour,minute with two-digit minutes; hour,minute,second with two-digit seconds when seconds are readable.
10,21
